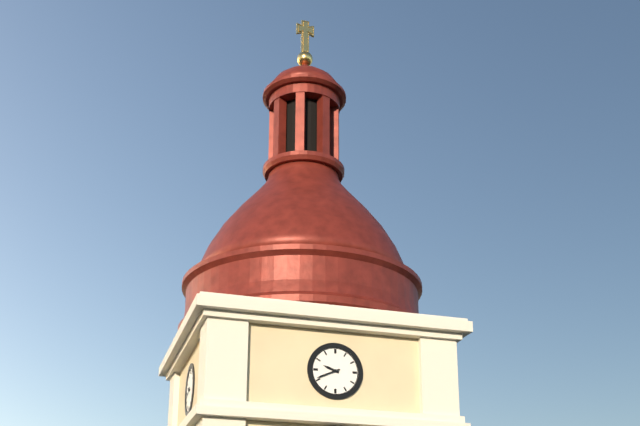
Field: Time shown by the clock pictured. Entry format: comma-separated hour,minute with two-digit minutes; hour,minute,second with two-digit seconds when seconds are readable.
9,41
